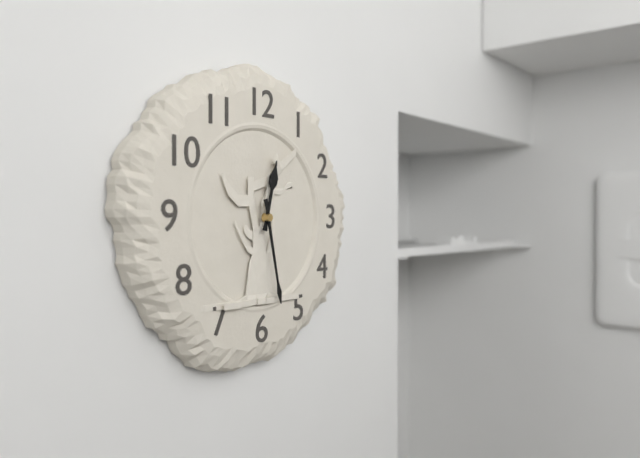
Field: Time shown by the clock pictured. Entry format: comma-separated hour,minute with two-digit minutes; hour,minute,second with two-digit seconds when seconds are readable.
12,28
